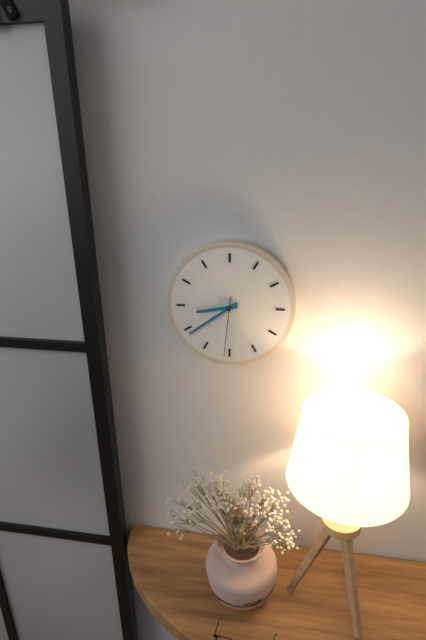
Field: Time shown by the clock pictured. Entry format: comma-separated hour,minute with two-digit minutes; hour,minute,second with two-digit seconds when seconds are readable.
8,39,31
